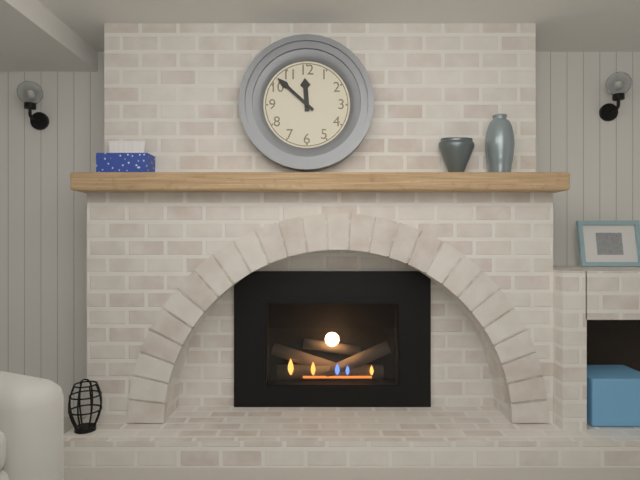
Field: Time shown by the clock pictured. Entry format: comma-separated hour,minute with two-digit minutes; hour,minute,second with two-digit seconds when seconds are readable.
11,52
